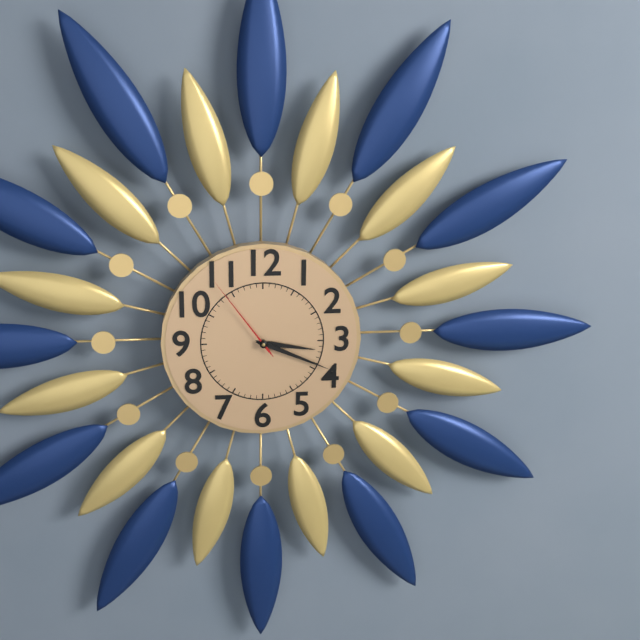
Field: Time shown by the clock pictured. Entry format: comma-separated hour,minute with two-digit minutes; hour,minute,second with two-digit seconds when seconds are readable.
3,19,54
